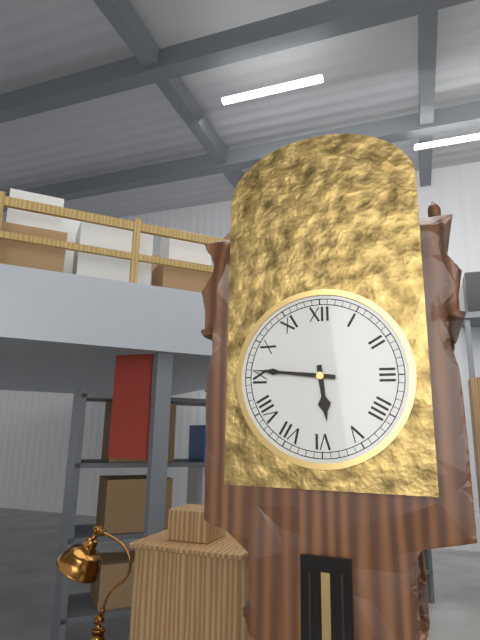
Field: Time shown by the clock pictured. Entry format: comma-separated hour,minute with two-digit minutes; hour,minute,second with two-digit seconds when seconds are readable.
5,46
